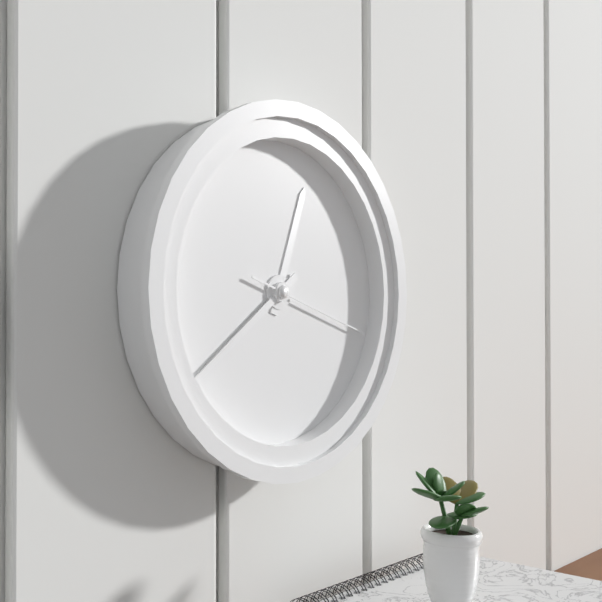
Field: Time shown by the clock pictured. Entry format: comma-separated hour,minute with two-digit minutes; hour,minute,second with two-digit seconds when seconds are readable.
12,39,18
